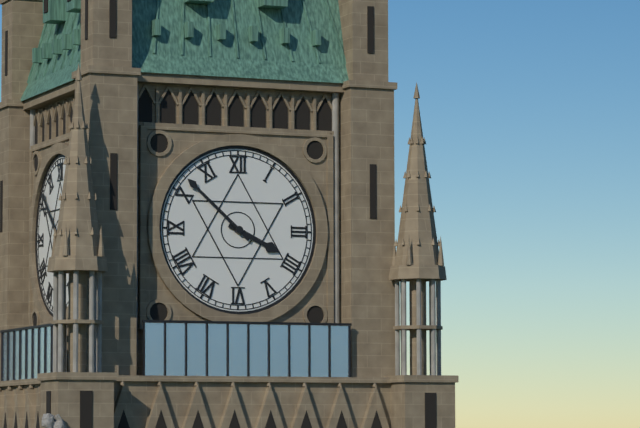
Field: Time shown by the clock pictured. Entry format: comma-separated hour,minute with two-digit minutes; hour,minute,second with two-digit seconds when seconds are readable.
3,52
